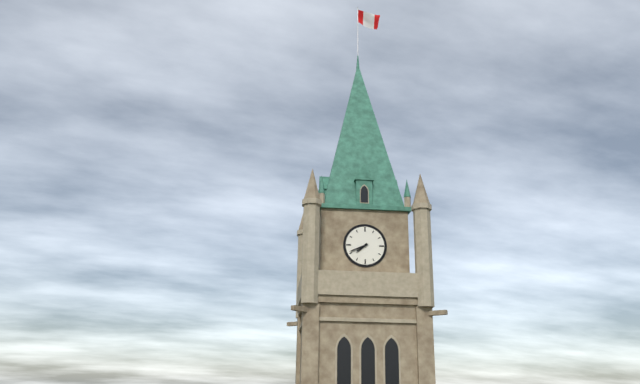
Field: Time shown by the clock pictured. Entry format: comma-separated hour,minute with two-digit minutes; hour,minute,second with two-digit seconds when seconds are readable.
7,41
